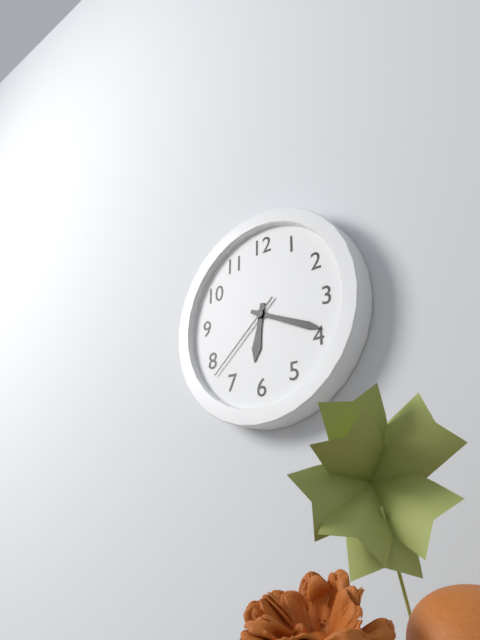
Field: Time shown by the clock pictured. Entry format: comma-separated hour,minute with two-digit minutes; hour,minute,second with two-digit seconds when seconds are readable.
6,19,38
